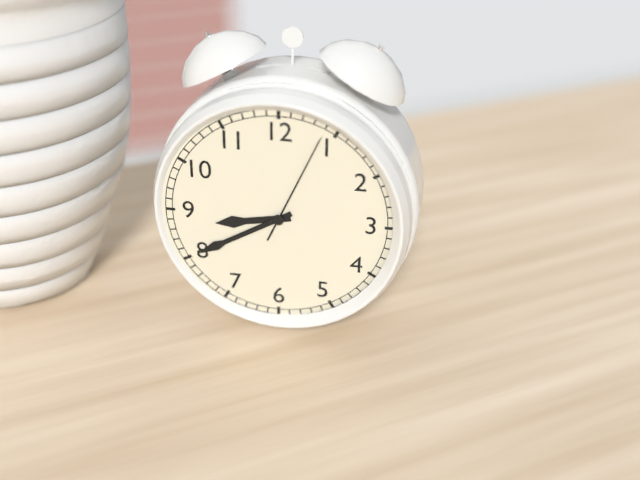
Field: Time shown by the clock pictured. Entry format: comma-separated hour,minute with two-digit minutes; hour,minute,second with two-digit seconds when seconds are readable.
8,40,04
